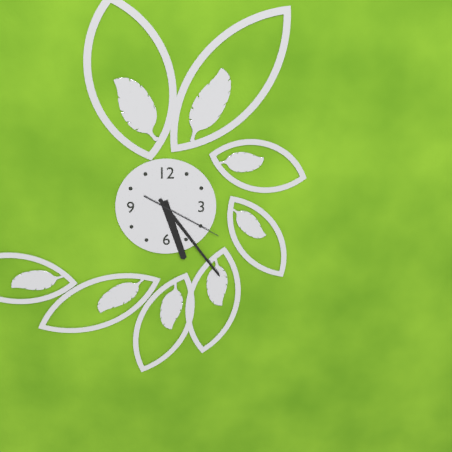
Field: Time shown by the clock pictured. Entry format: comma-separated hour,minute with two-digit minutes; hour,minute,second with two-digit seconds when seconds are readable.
5,24,20
